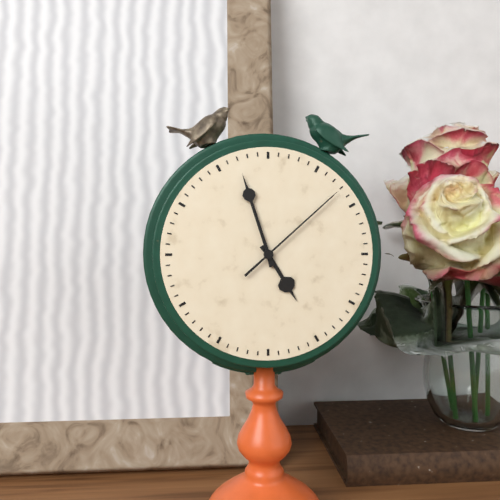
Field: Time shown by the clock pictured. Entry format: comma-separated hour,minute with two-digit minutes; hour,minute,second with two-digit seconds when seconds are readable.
4,57,08
